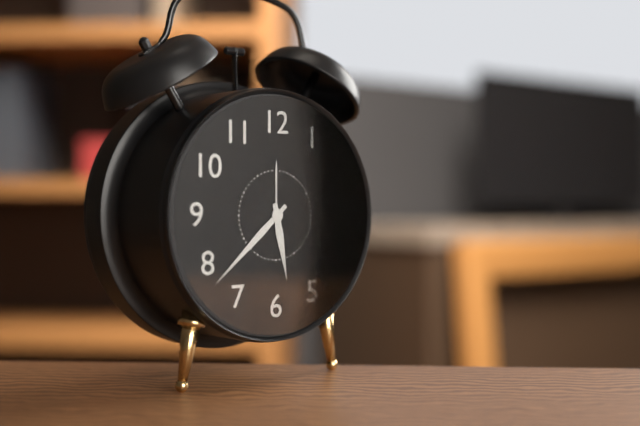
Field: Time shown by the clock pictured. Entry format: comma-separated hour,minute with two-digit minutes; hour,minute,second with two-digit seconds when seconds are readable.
5,38
